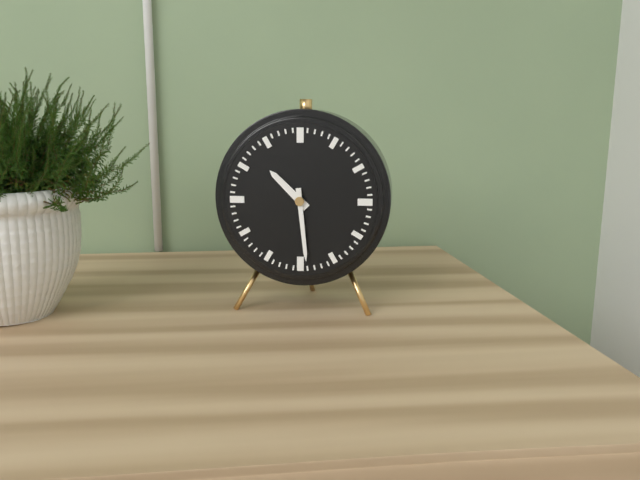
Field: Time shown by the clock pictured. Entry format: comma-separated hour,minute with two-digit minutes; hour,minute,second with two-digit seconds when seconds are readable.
10,29
